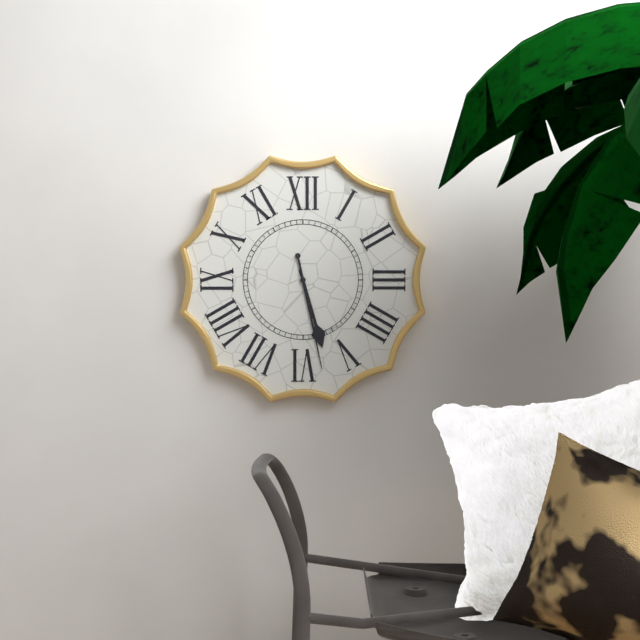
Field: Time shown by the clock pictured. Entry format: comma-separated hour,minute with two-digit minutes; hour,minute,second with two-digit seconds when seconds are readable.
5,28
